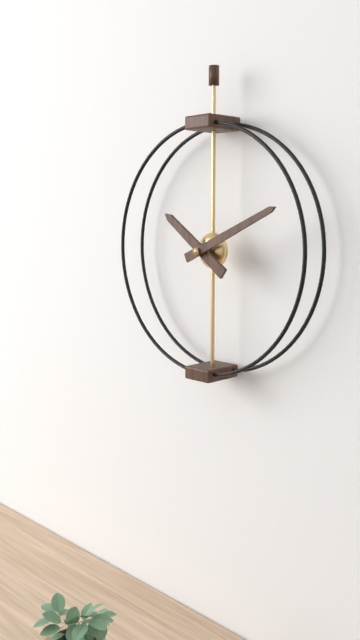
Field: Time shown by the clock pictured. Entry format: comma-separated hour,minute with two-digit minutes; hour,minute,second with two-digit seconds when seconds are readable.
10,11
